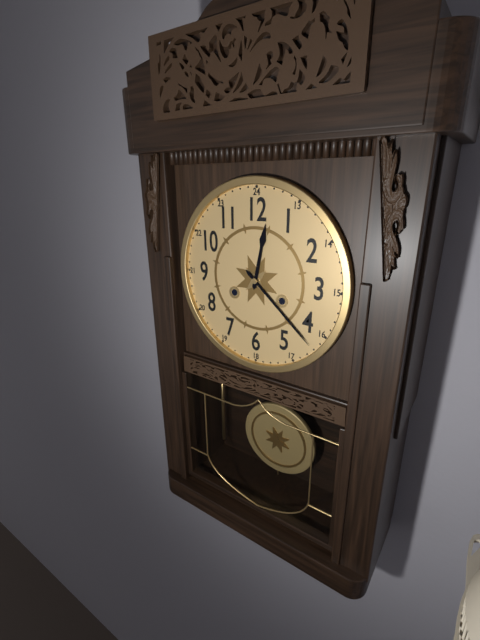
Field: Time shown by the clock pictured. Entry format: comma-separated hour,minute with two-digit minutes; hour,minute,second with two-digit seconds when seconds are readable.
12,22
